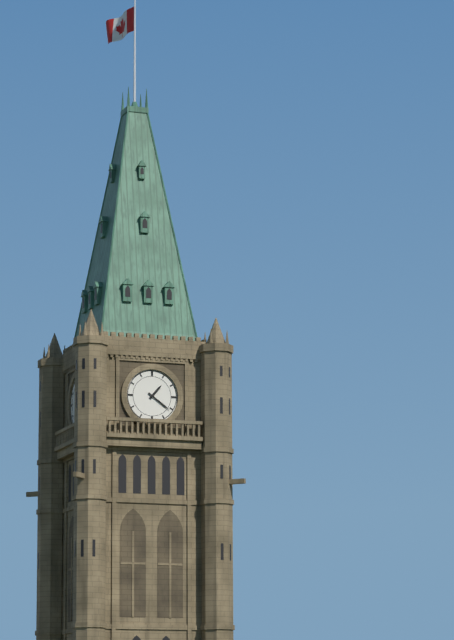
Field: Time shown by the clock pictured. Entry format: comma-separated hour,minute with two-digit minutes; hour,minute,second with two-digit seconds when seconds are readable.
1,21
